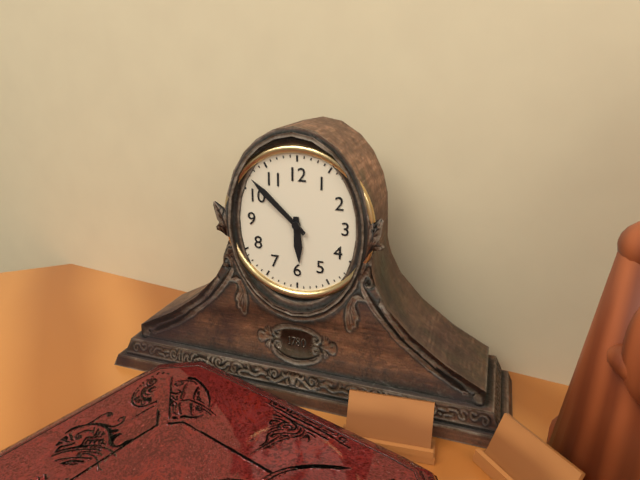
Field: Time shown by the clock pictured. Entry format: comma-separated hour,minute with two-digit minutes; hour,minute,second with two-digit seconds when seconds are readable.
5,52
